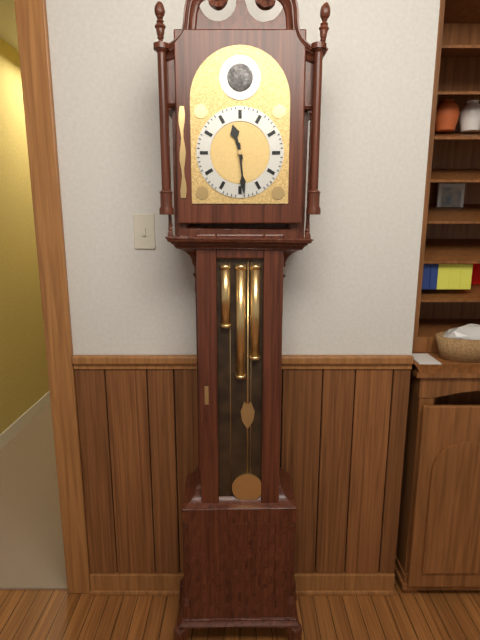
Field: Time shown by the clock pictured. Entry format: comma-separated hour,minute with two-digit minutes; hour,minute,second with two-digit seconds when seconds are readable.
11,29
